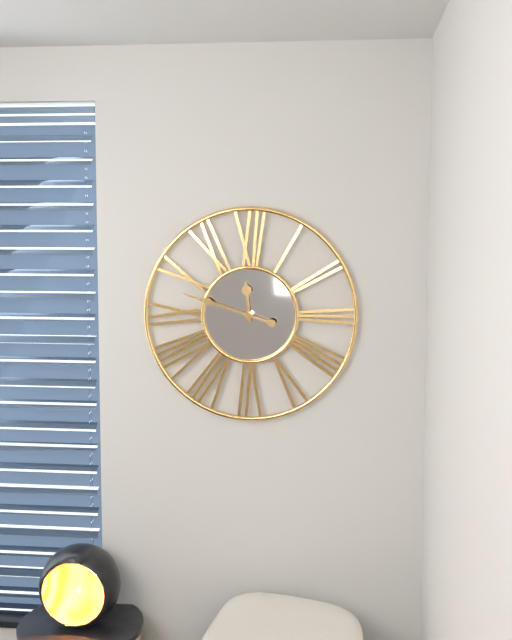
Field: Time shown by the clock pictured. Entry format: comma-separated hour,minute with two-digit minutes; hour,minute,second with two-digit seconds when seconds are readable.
11,48
